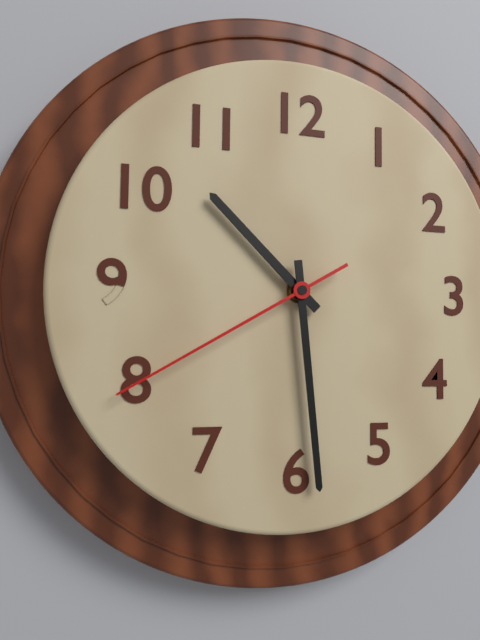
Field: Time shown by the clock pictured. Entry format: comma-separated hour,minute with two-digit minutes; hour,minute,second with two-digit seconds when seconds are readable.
10,29,40
